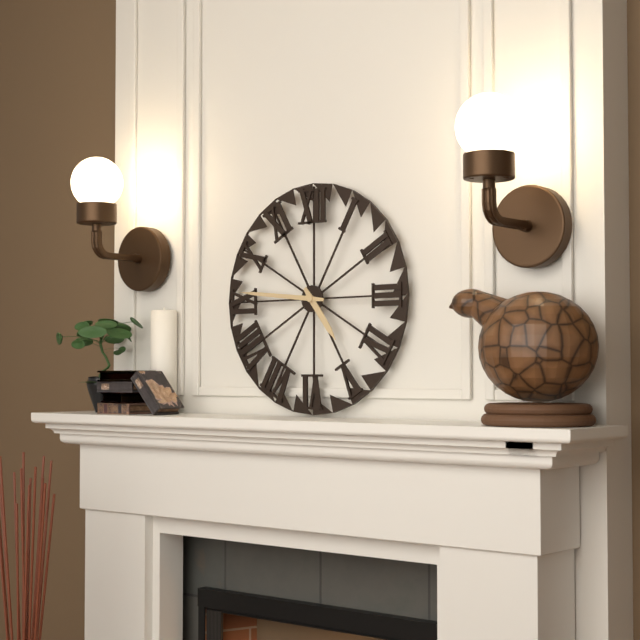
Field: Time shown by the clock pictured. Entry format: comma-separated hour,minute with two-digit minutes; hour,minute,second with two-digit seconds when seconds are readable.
4,46
